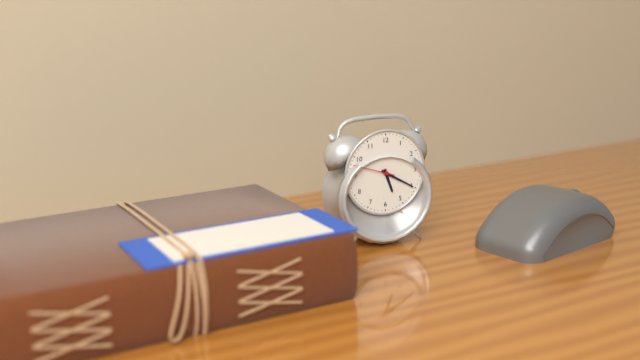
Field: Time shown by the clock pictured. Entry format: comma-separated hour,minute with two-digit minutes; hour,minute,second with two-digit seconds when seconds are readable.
5,20
